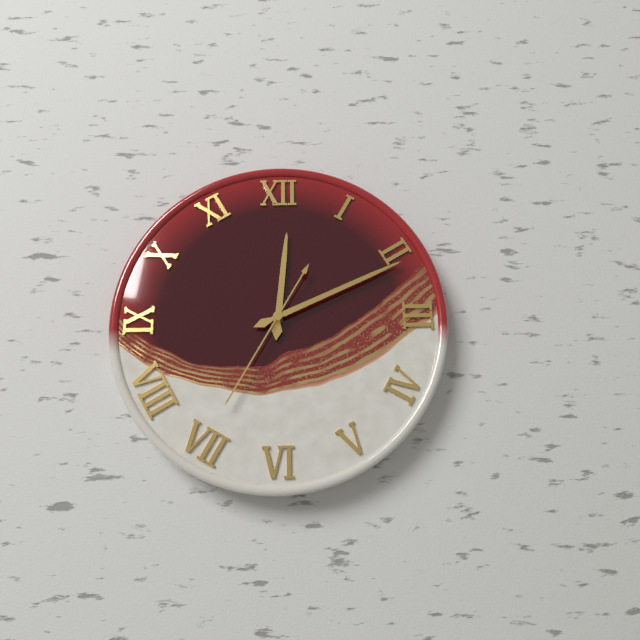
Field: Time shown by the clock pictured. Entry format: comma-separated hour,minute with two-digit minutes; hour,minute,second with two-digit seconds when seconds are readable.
12,11,35
